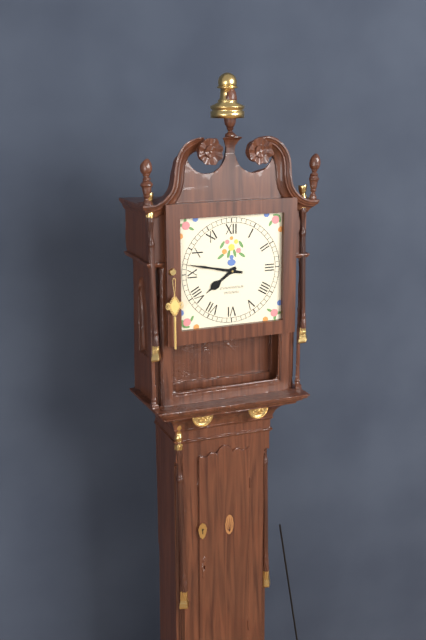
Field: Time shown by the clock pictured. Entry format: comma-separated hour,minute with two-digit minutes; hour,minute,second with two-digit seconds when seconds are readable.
7,47
